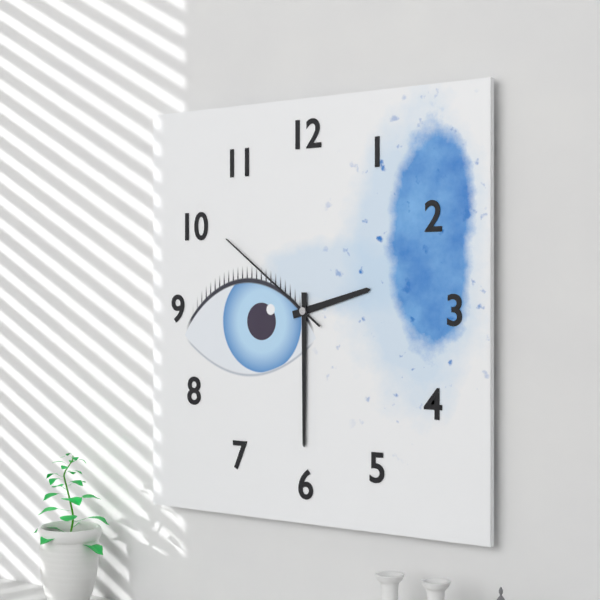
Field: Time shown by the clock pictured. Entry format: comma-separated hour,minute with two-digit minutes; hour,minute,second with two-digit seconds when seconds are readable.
2,30,51
